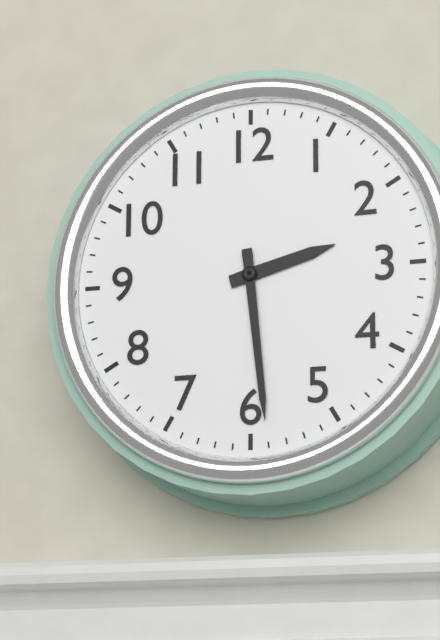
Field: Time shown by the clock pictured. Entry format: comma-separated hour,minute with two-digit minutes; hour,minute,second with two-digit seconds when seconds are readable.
2,29
